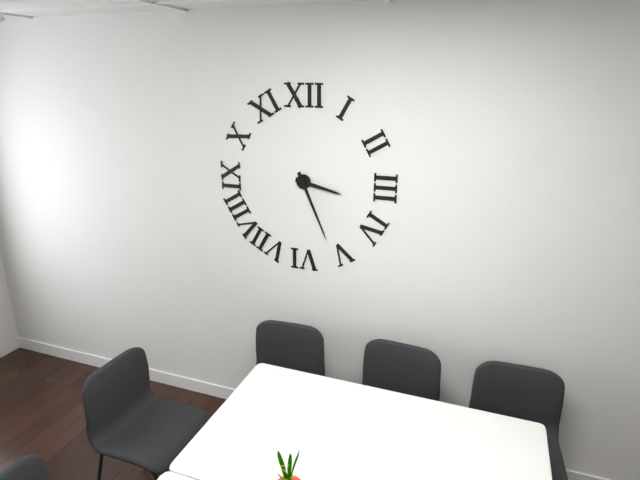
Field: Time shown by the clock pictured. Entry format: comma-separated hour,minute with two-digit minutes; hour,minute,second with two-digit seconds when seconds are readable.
3,26
